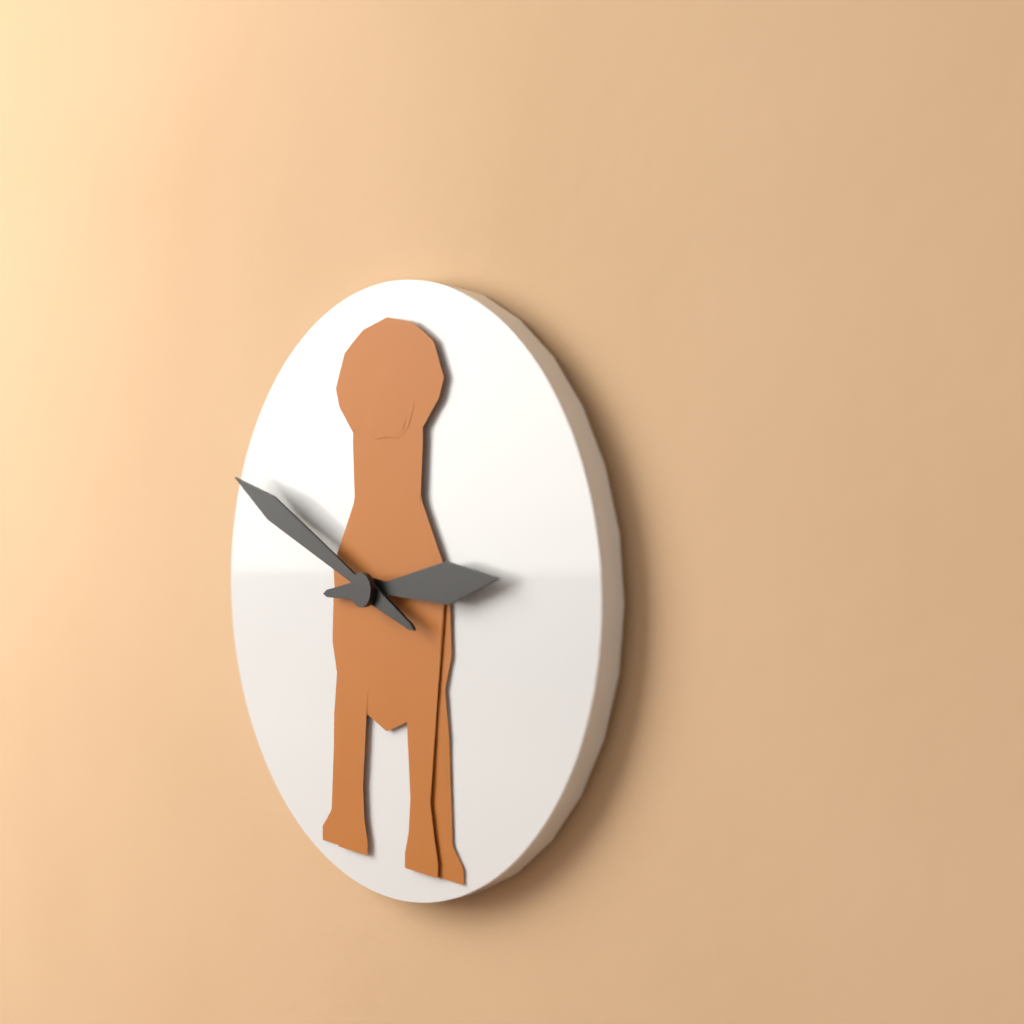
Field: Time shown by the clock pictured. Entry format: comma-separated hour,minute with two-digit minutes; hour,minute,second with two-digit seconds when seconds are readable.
2,49
